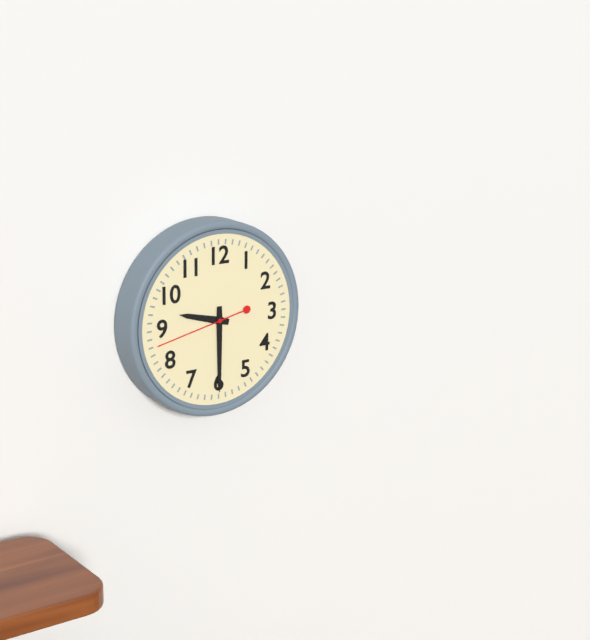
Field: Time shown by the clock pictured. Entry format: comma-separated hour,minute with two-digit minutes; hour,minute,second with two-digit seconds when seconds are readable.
9,30,43
